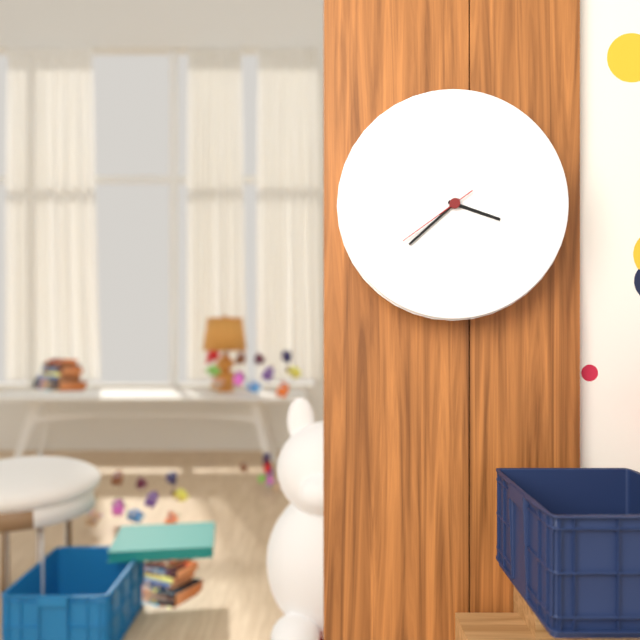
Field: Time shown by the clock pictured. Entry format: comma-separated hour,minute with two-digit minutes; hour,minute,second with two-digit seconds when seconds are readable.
3,38,39
